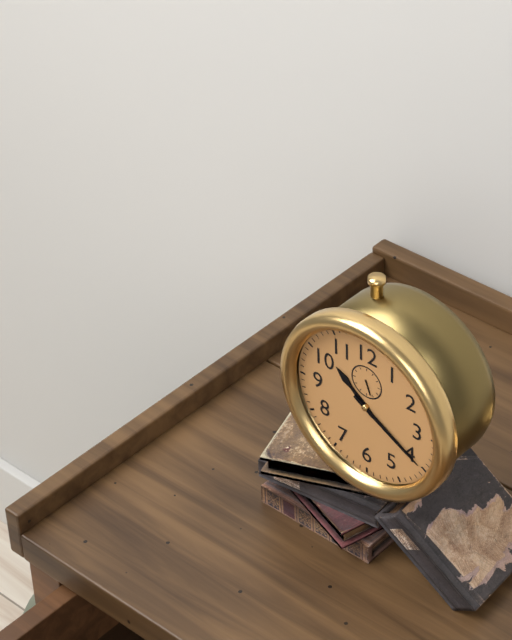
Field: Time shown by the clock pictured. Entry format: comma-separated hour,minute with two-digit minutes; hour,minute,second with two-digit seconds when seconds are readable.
10,20
